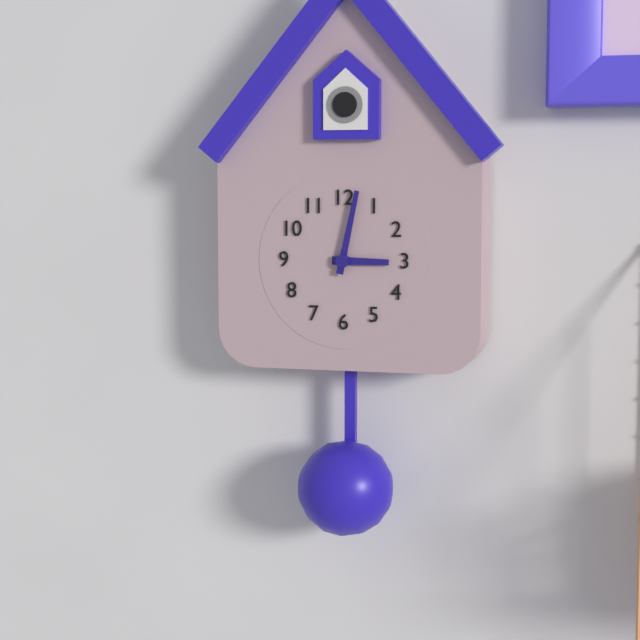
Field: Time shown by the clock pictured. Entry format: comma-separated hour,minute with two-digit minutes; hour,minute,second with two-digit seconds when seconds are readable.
3,02
